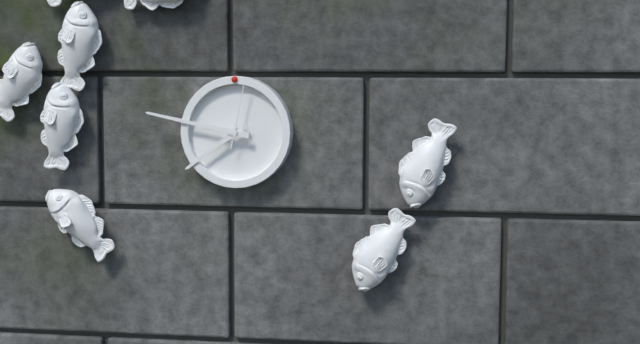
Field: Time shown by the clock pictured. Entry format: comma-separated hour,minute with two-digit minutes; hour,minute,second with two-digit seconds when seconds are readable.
7,47,02
